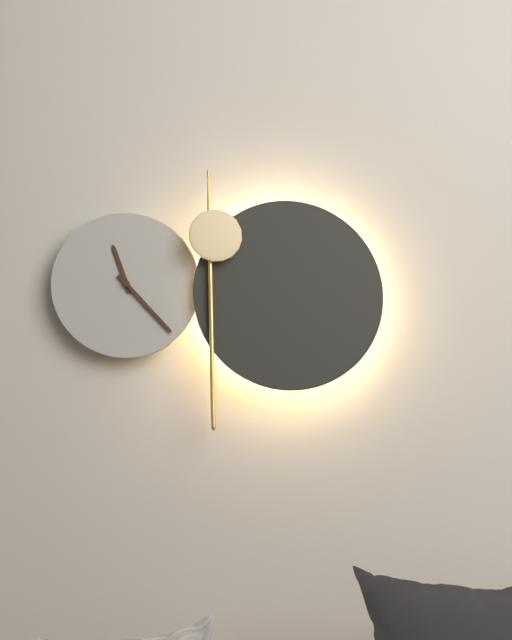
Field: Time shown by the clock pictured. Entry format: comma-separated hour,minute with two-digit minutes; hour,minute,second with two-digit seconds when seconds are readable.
11,23
